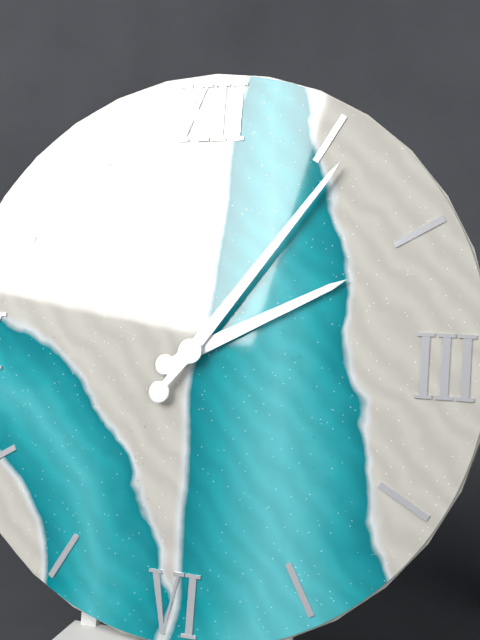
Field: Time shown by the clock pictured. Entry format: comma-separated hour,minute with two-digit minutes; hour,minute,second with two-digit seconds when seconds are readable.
2,06
